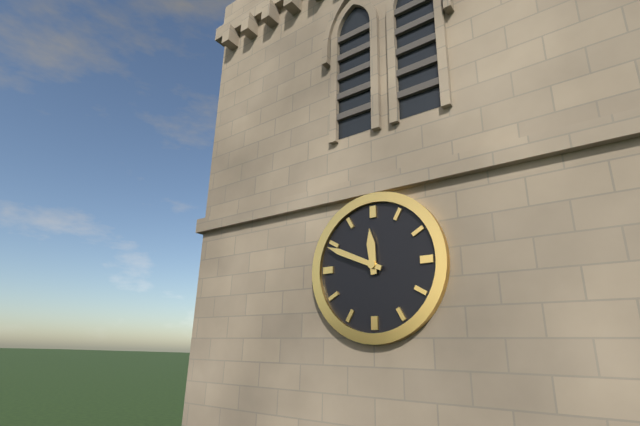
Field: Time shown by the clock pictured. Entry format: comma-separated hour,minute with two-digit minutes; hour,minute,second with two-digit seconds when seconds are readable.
11,49
